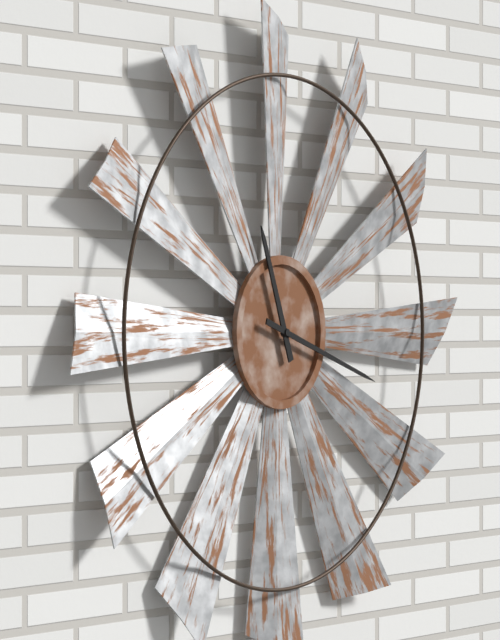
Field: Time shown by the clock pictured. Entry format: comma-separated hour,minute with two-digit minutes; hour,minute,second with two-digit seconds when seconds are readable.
11,18
